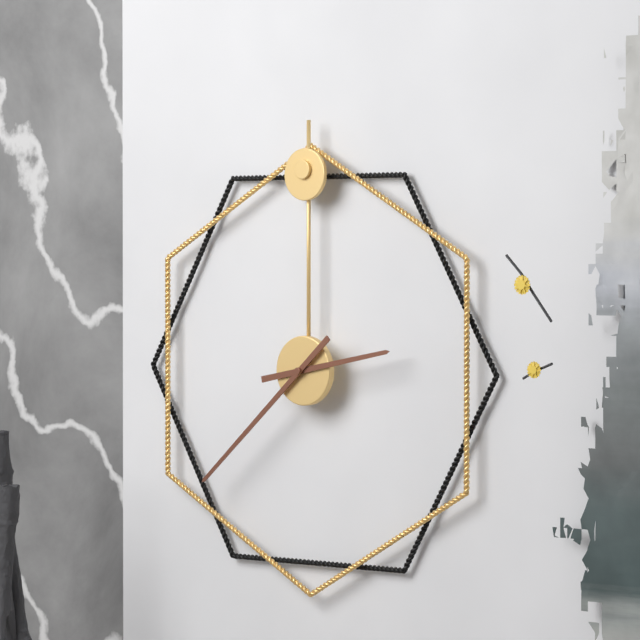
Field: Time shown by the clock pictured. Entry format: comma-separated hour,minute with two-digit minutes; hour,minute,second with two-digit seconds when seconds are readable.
2,38
